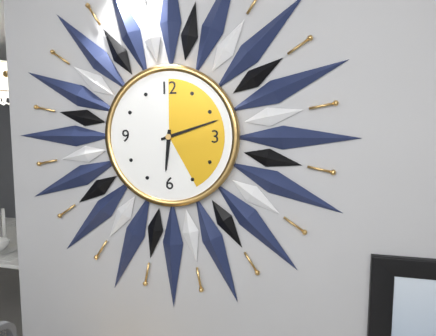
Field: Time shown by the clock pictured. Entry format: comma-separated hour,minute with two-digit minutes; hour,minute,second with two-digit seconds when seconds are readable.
6,12
